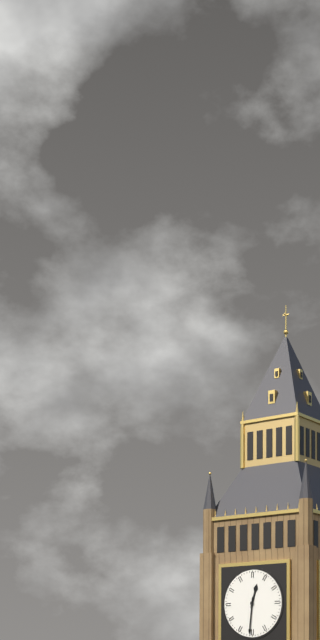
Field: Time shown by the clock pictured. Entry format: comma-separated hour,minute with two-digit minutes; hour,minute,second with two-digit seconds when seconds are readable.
12,31
